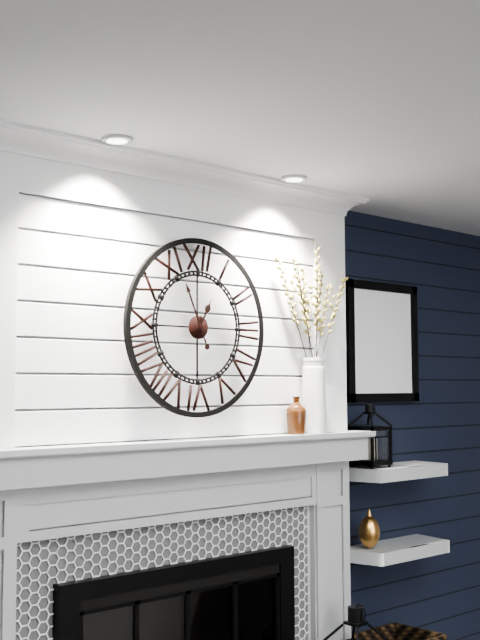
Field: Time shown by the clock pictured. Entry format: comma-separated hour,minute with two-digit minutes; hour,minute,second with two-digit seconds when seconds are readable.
12,56
